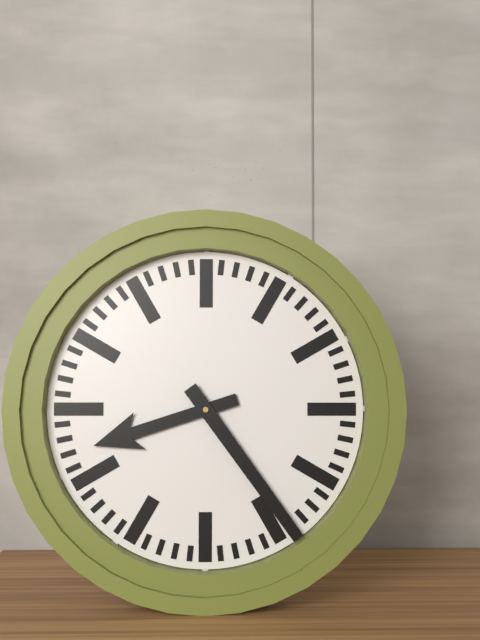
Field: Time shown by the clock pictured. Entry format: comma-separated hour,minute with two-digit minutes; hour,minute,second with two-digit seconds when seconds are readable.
8,24
